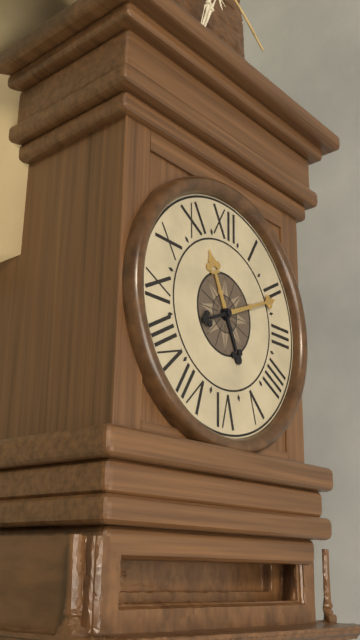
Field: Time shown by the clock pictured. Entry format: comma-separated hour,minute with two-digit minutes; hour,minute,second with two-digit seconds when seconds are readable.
11,11
